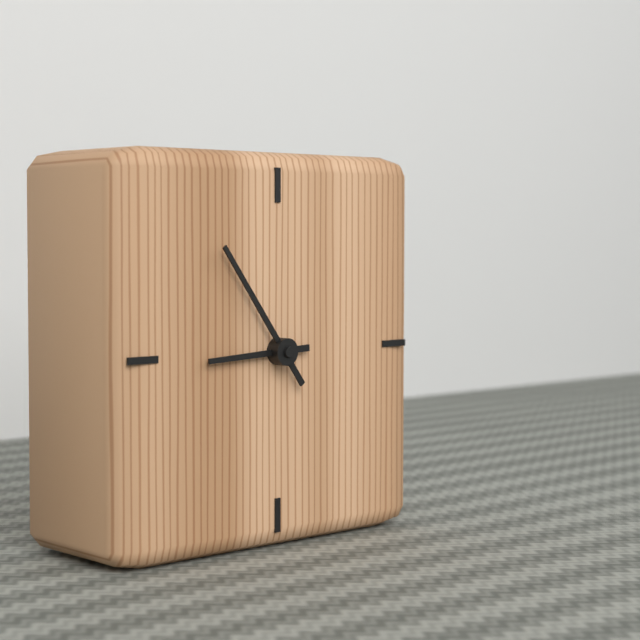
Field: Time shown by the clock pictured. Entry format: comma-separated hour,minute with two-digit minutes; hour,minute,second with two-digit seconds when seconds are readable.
8,54
